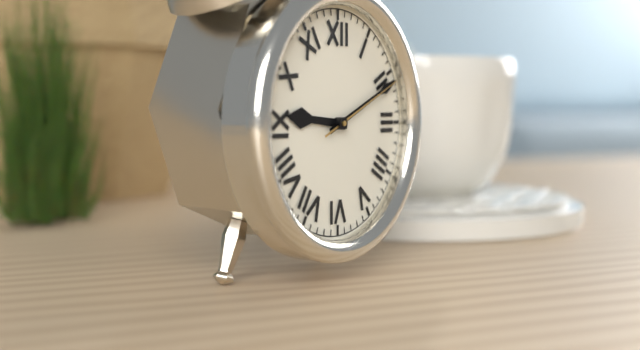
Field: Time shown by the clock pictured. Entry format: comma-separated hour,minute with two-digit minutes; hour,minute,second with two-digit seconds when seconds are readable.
9,11,11
